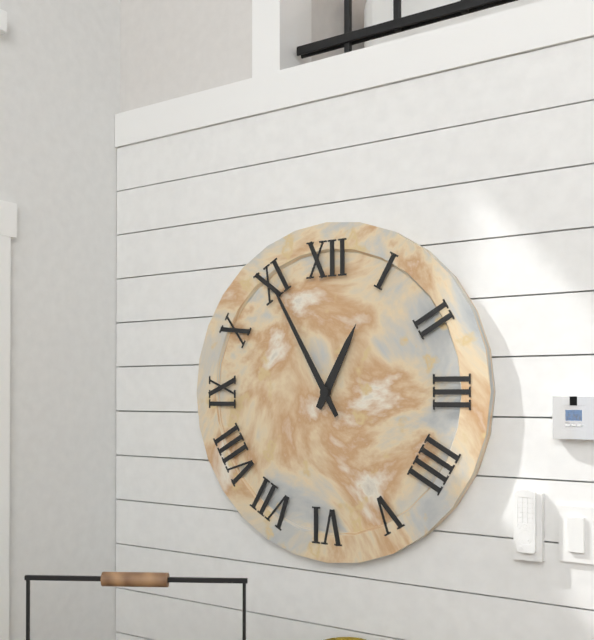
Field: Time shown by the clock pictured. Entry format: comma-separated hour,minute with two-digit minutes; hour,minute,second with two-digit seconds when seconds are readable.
12,55
